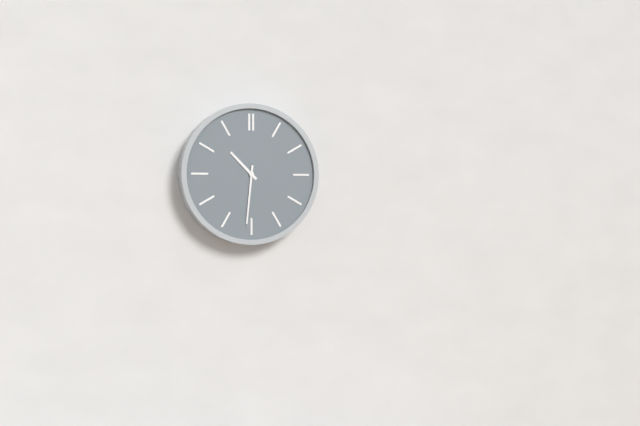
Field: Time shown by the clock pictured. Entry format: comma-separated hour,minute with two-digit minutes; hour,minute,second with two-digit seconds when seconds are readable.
10,31
